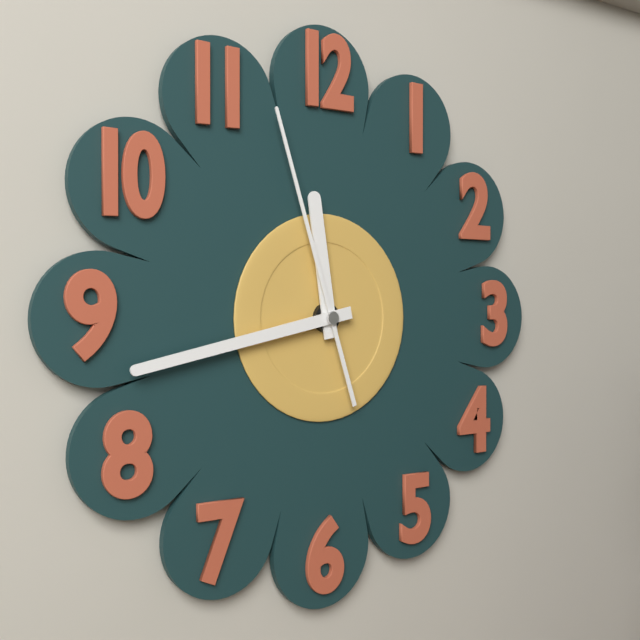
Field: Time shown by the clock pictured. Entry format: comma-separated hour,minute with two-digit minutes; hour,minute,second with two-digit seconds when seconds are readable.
11,43,57
